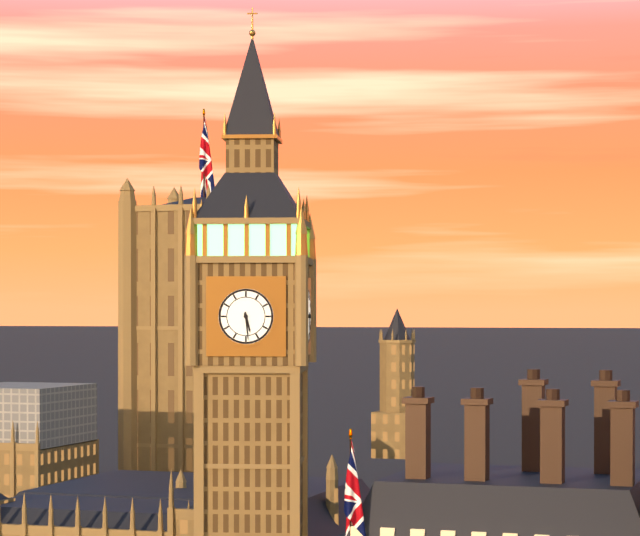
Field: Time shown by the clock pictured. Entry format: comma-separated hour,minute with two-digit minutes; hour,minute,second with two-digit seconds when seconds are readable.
5,29
